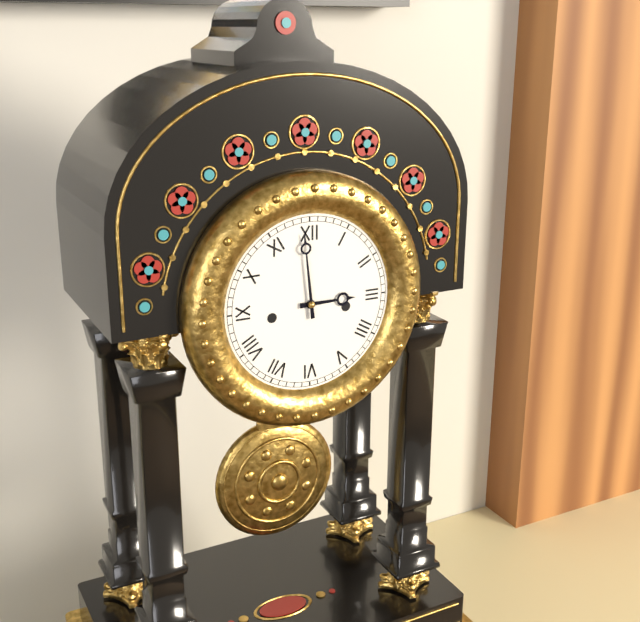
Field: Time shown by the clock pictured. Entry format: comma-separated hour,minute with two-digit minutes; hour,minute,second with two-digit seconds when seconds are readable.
2,59
